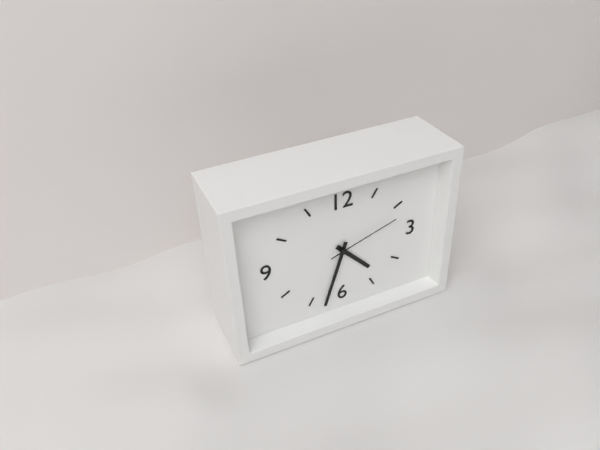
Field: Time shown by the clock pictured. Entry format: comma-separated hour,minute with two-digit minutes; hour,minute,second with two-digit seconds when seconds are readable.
4,33,12
